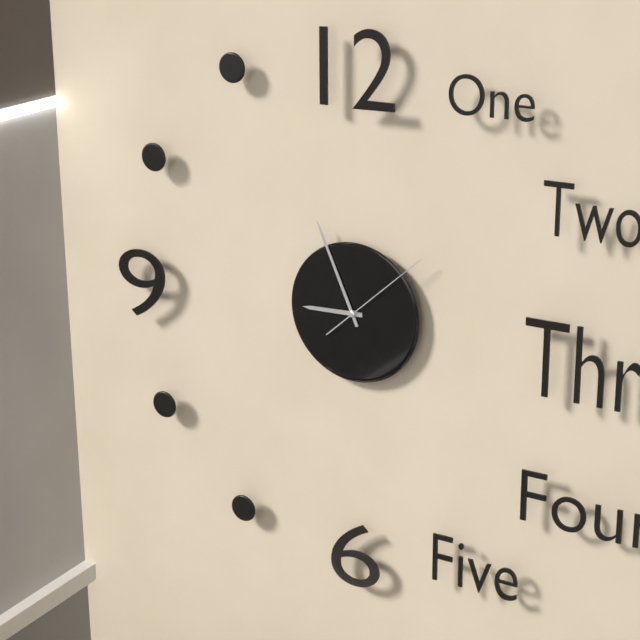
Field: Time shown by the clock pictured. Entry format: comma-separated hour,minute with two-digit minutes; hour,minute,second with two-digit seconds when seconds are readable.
8,56,08
